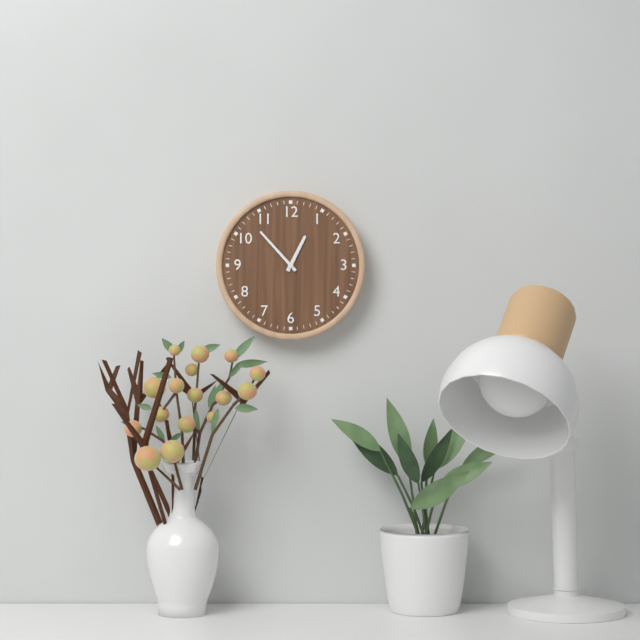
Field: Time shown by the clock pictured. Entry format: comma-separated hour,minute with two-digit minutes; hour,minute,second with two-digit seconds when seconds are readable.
12,53
